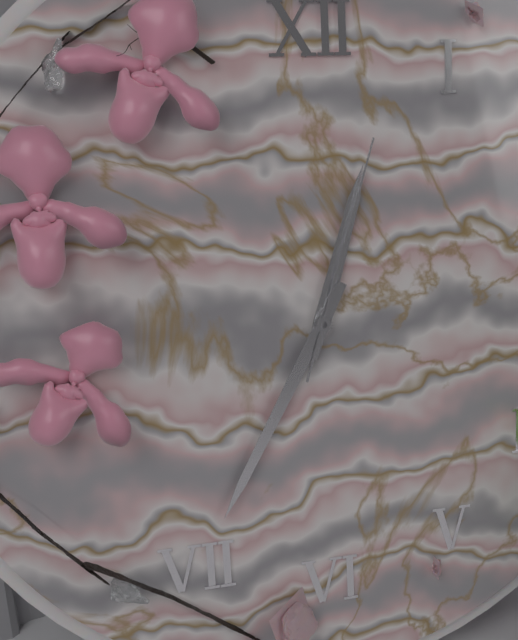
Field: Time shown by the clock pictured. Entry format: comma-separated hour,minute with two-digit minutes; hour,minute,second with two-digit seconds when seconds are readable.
12,35,03
